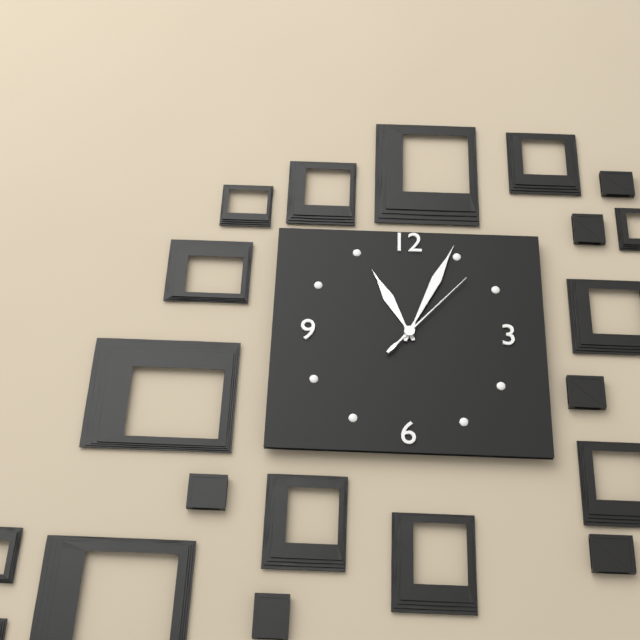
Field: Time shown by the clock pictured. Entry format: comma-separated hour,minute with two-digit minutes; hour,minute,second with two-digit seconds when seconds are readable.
11,04,07
